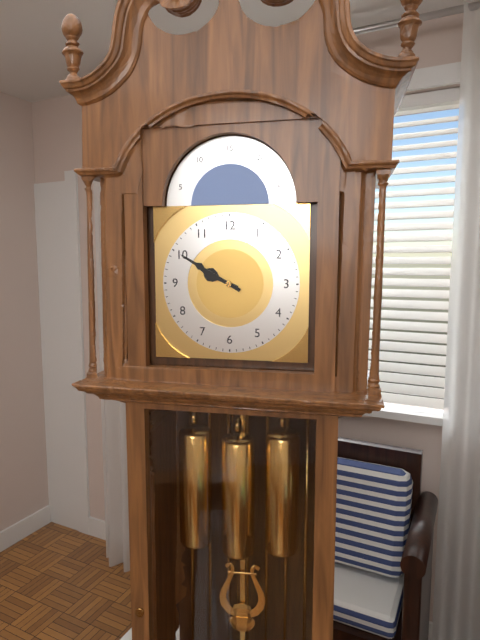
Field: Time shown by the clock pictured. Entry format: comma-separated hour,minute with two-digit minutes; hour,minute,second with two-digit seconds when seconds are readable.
9,50
